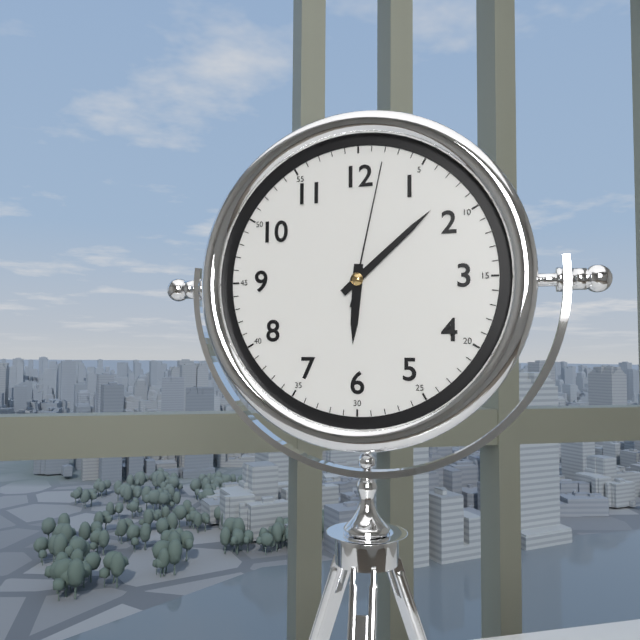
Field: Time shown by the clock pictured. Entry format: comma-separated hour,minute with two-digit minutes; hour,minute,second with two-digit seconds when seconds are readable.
6,08,02
